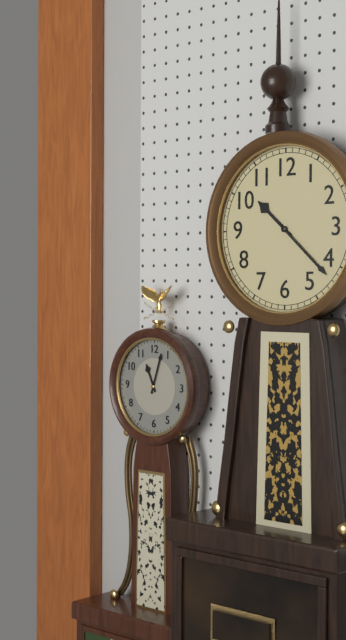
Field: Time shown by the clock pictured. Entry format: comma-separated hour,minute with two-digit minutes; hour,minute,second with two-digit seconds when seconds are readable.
10,22
